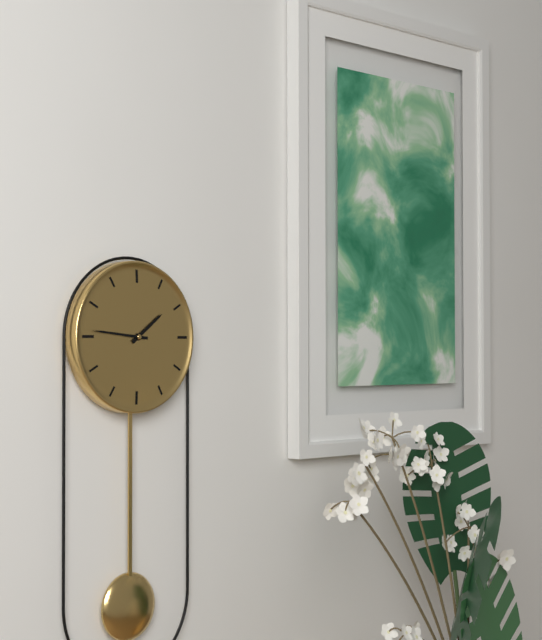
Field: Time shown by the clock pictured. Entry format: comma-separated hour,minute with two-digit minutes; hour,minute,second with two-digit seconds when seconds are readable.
1,46
